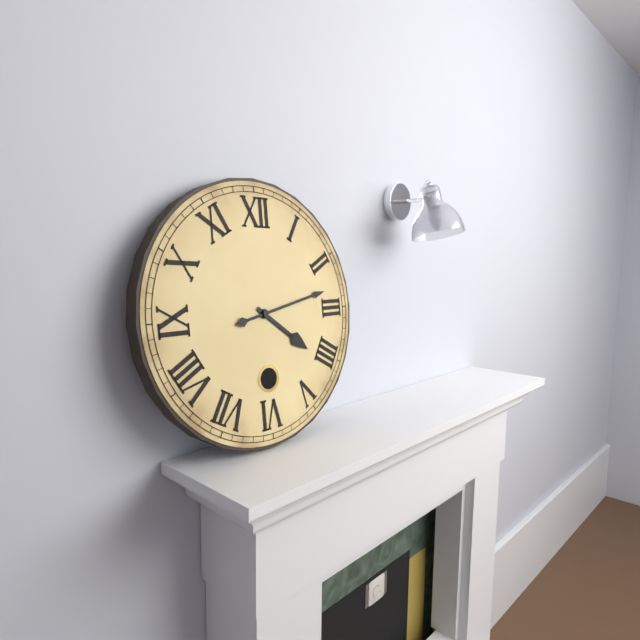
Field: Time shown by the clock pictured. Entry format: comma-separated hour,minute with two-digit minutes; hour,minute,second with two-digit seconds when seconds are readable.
4,13
